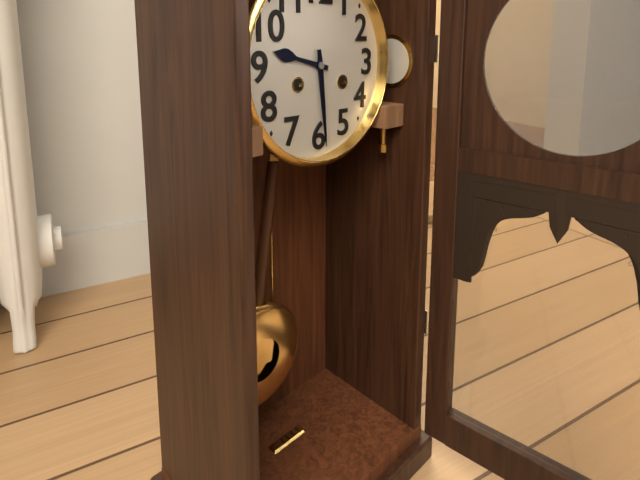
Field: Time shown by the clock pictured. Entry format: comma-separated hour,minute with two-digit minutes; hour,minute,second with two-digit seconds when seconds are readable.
9,29
